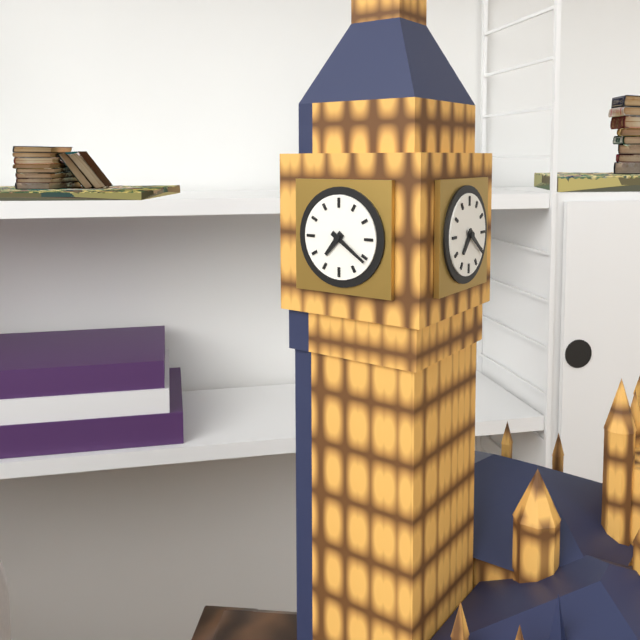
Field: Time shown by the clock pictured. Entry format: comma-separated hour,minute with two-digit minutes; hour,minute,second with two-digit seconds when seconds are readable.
7,21
